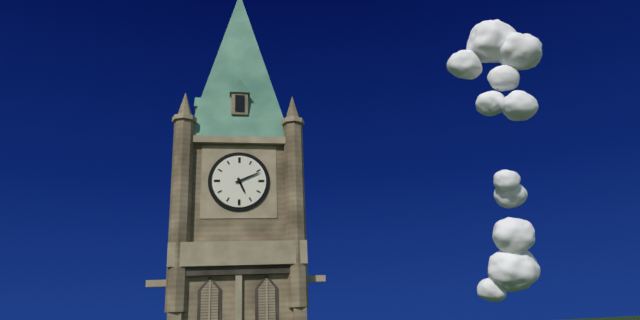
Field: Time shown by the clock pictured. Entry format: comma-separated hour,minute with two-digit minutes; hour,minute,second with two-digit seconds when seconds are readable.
5,11
